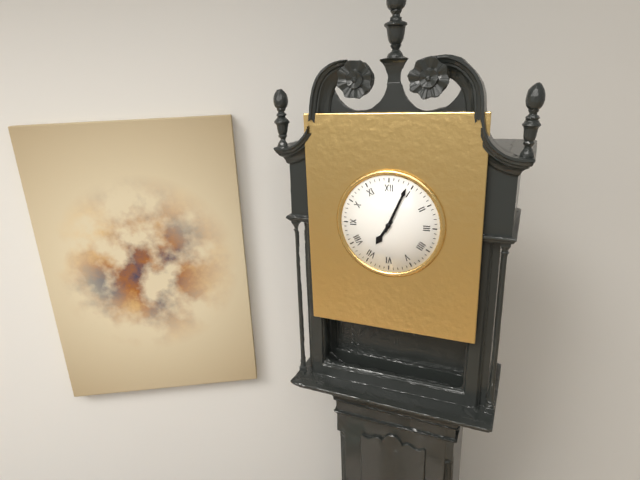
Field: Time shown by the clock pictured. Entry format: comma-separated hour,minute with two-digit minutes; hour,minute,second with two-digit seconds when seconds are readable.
7,04
